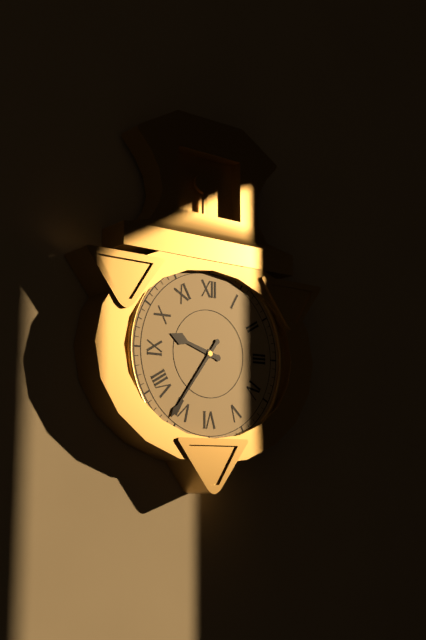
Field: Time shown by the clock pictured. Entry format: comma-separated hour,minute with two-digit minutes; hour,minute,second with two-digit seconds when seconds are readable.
9,36
